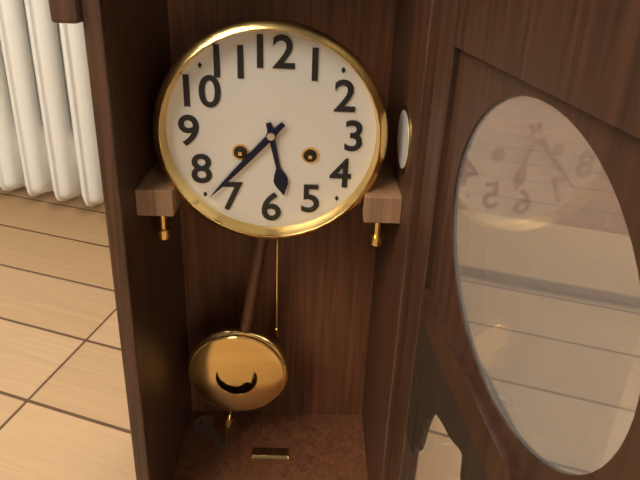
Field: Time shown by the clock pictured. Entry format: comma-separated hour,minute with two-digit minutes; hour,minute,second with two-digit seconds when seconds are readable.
5,37
